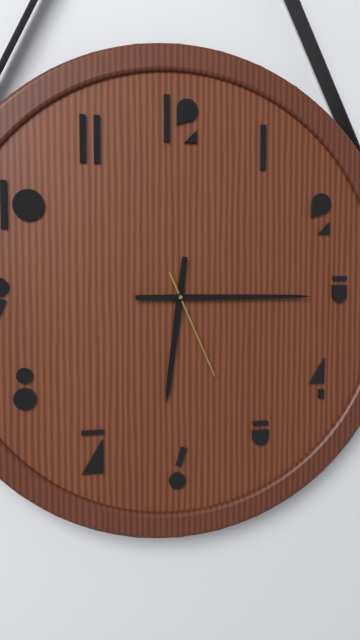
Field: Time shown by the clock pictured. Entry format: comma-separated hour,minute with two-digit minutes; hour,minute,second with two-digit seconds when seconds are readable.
6,15,26
